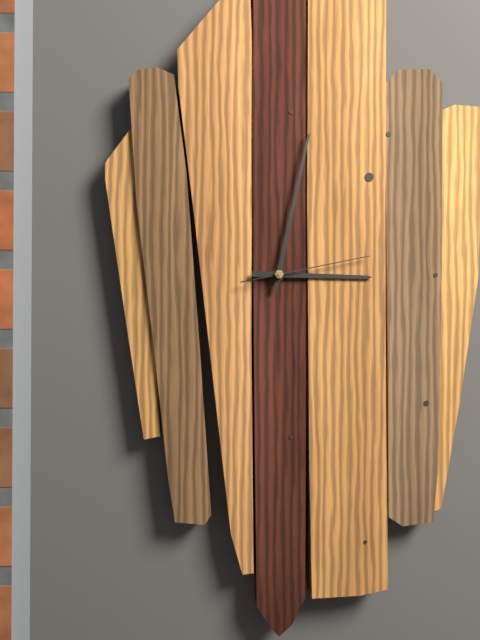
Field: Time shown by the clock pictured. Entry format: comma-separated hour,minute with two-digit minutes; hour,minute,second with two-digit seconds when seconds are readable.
3,02,13
